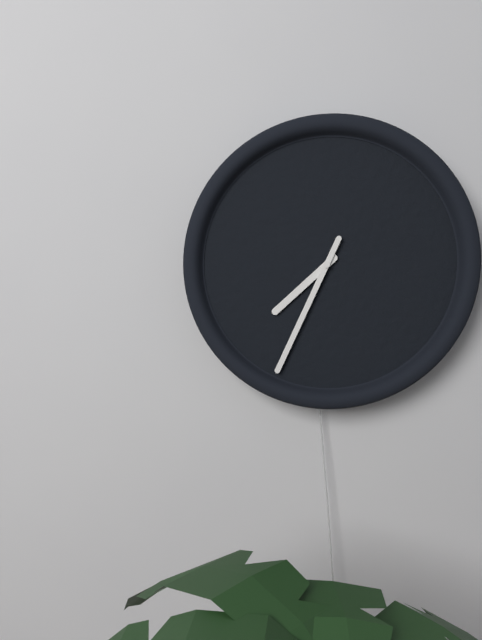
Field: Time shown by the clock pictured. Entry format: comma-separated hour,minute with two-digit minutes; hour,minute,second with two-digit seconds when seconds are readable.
7,34
